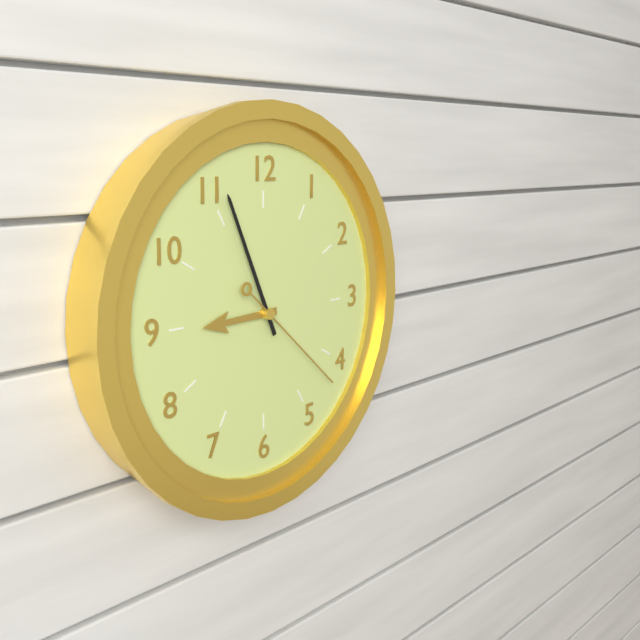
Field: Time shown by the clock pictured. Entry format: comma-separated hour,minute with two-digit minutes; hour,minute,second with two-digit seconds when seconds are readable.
8,56,22
